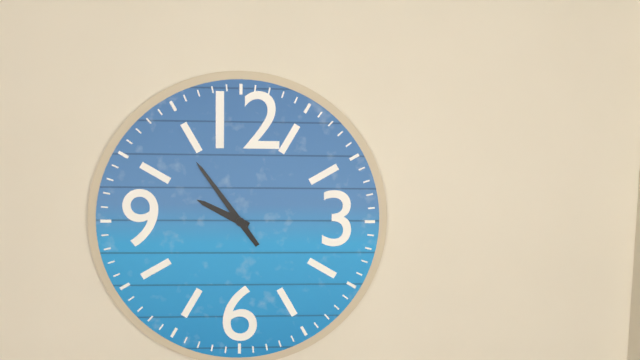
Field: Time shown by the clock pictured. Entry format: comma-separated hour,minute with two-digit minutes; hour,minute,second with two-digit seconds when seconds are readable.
9,54
